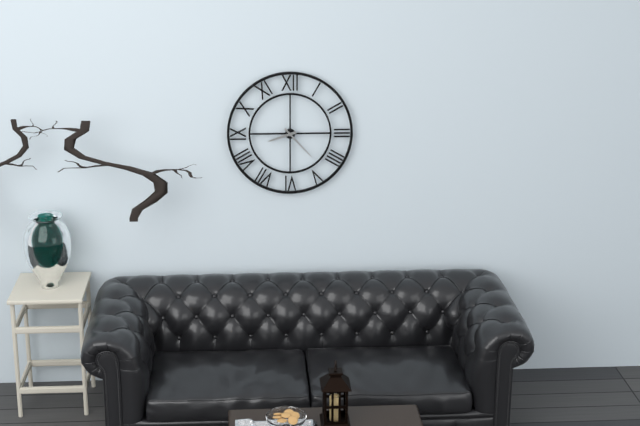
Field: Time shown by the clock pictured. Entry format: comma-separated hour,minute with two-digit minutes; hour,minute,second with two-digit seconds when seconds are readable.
8,23
